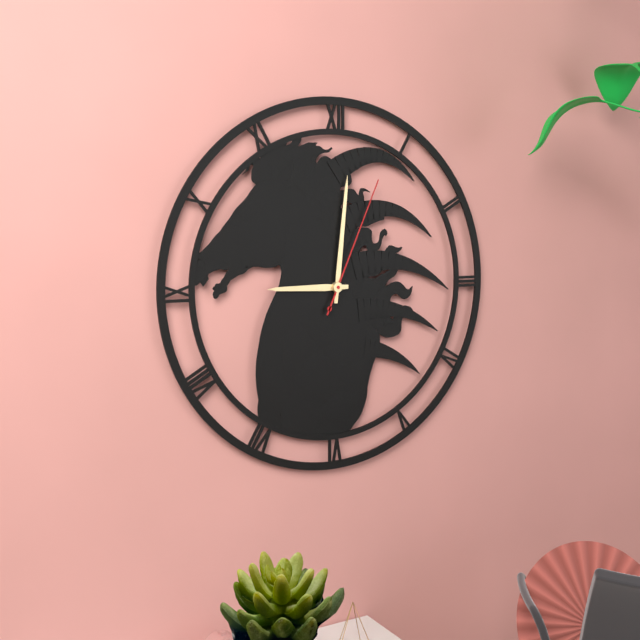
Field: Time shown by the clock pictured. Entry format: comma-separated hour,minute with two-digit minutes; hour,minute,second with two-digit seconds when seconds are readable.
9,01,04
